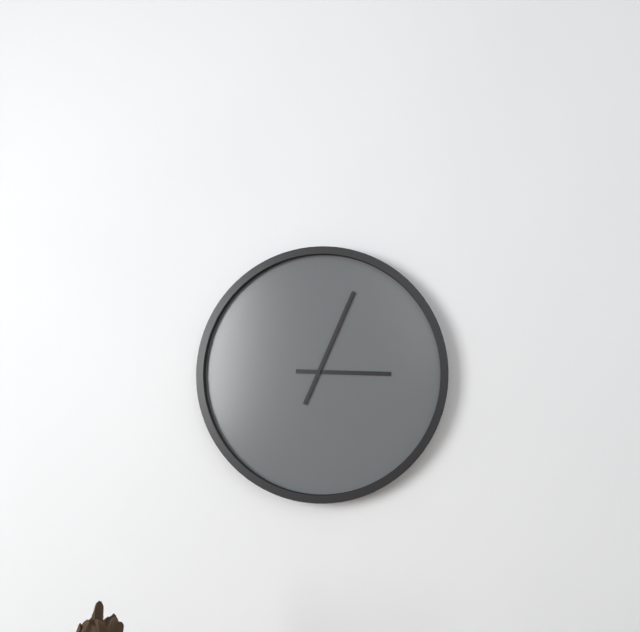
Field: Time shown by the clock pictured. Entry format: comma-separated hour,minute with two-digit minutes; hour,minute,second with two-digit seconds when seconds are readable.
3,04
